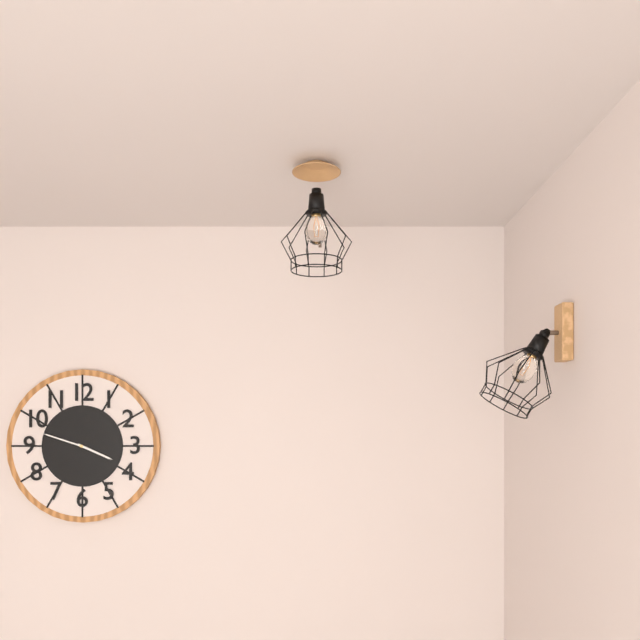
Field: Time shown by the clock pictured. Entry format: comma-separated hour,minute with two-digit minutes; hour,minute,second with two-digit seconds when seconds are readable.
3,48
